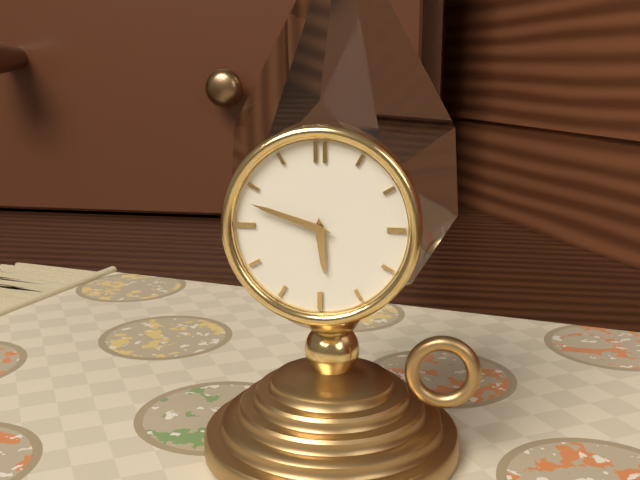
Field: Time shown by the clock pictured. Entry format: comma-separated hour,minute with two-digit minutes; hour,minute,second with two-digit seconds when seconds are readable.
5,48
